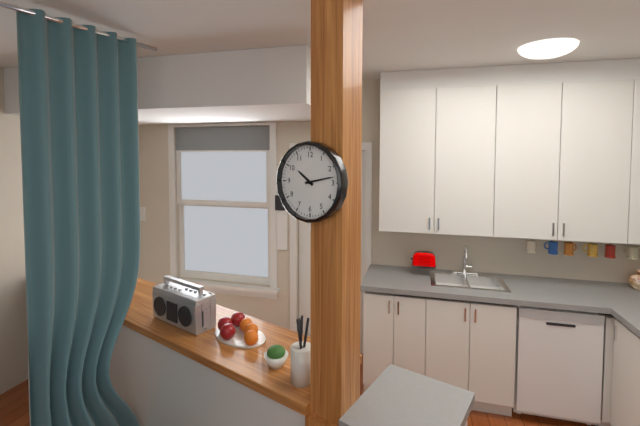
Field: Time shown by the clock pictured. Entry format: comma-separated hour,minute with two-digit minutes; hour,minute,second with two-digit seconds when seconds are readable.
10,13
